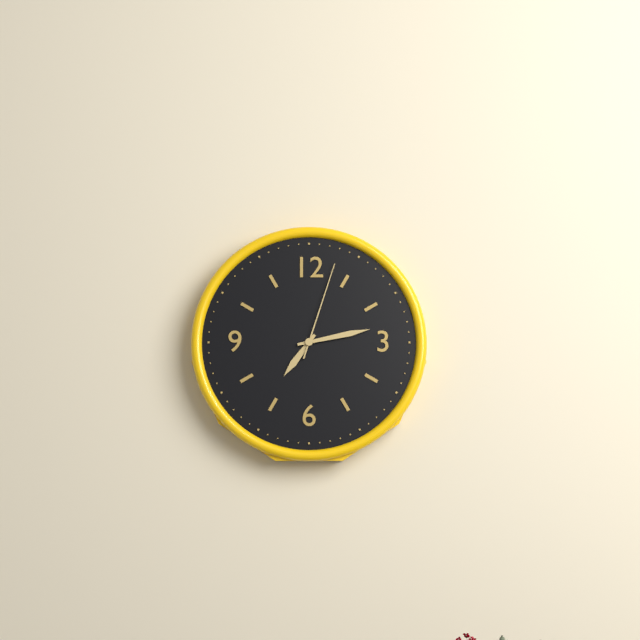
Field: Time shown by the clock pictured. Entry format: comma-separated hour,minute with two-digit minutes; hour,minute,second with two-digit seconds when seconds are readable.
7,13,03
